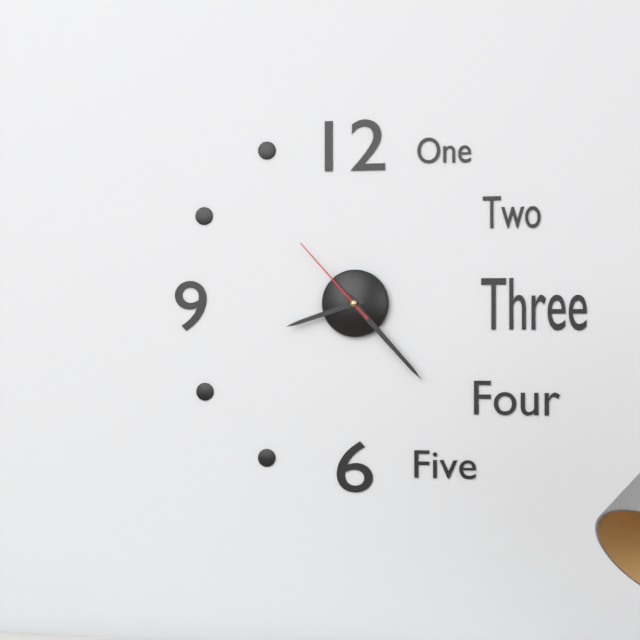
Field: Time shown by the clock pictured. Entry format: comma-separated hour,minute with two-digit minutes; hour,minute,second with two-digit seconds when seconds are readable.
8,23,53
